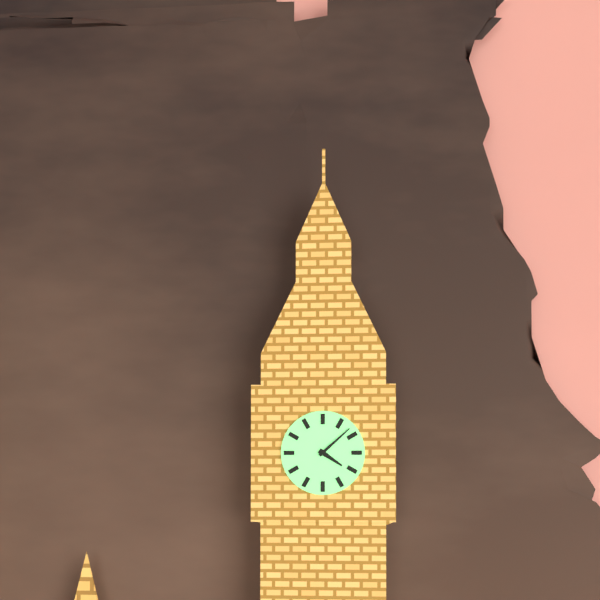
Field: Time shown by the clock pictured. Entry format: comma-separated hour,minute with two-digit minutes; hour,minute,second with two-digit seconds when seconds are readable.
4,08
